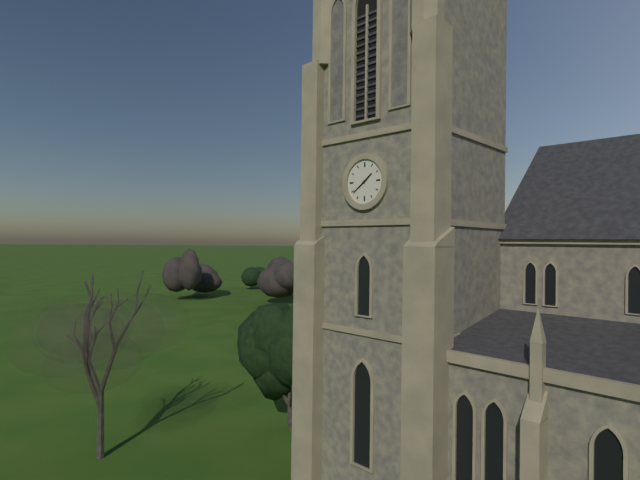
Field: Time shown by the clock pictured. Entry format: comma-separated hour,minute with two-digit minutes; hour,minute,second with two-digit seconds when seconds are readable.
1,39
